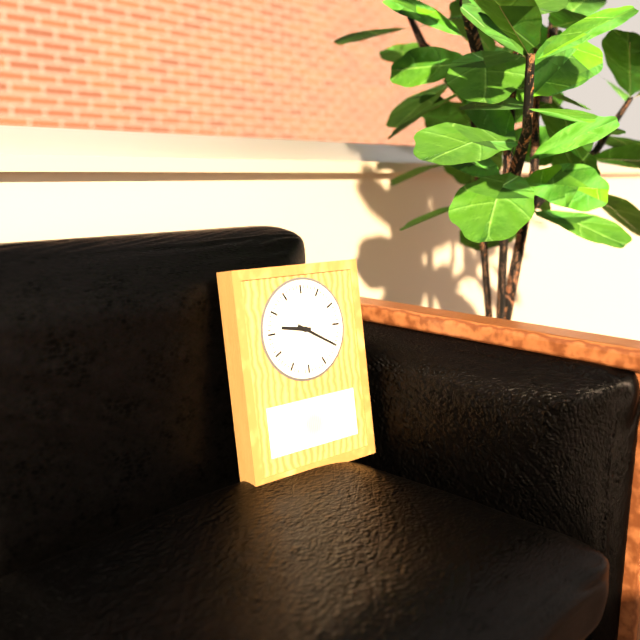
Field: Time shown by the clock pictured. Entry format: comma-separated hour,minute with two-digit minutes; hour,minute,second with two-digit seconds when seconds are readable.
9,20
